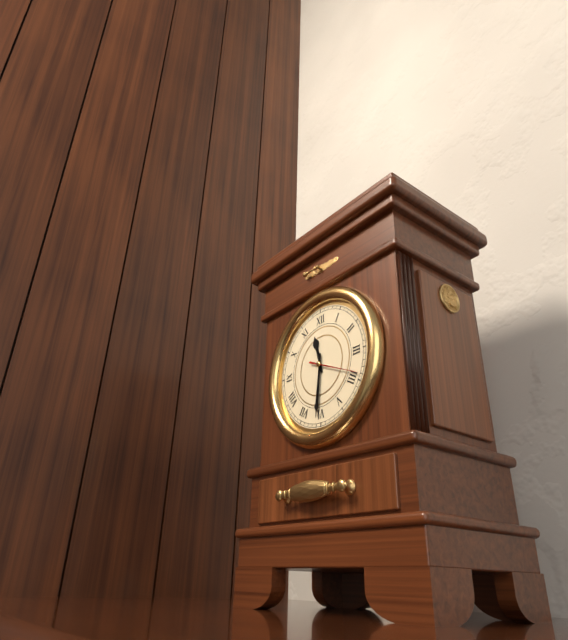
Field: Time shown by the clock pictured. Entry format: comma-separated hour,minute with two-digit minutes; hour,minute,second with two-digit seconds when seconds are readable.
11,31
